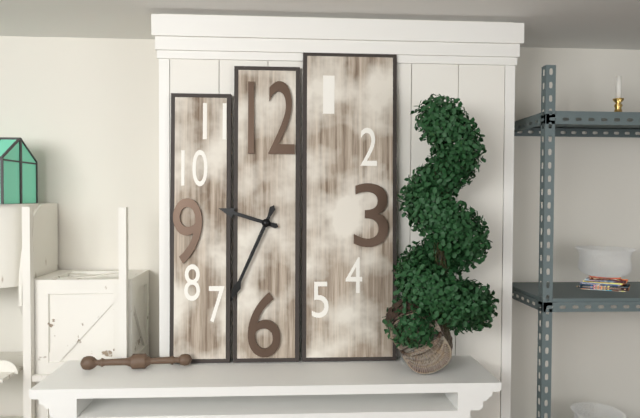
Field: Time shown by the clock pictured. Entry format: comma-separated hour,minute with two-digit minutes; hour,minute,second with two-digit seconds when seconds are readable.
9,34
